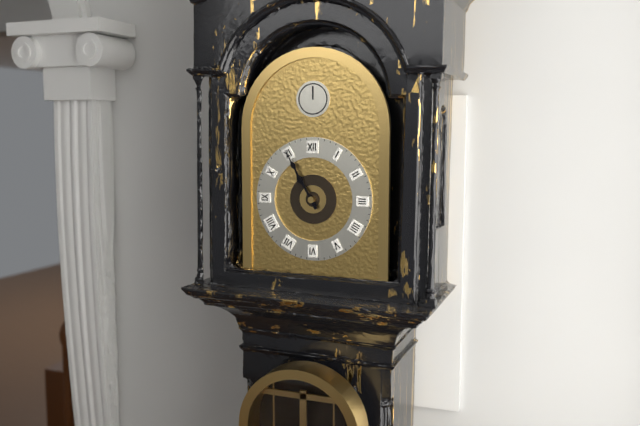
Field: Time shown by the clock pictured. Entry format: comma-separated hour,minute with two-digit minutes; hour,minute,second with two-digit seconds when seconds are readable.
10,55
